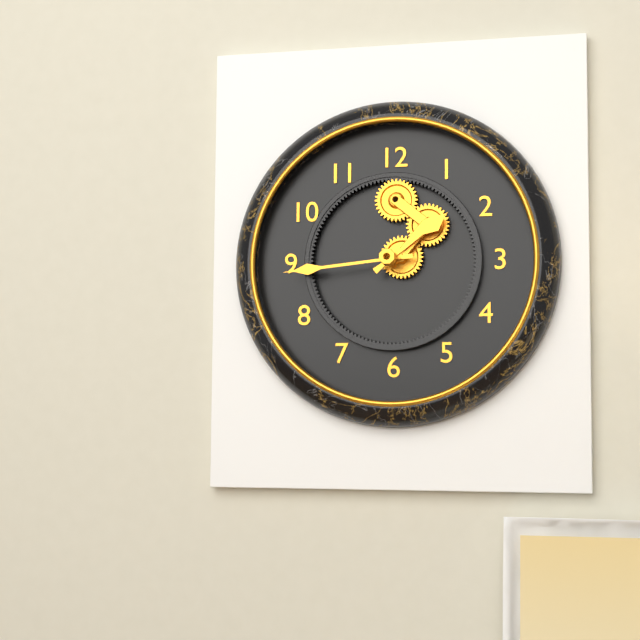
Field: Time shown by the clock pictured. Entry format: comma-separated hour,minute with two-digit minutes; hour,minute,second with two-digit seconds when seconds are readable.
1,44
